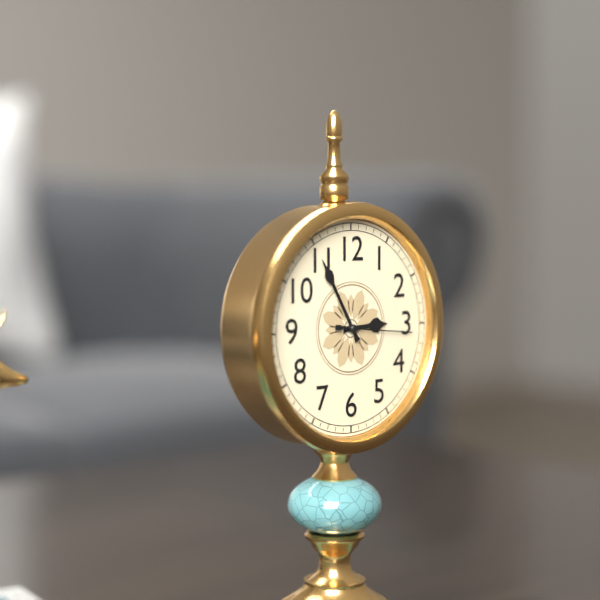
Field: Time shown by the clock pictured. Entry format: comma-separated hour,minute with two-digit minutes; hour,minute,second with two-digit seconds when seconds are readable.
2,55,16
